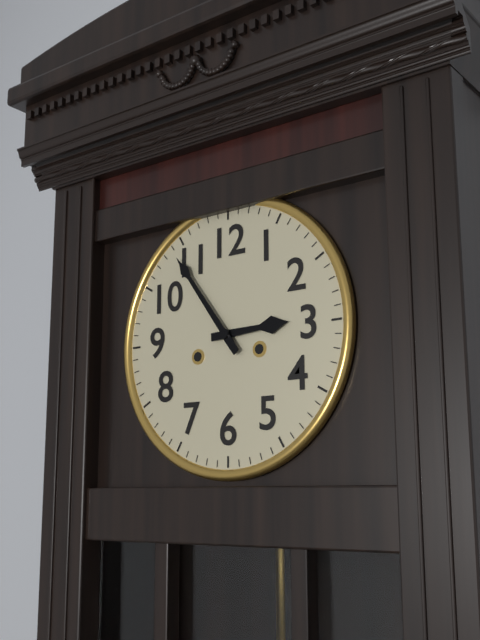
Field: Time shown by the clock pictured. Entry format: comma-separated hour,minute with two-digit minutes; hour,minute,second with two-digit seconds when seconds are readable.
2,54
